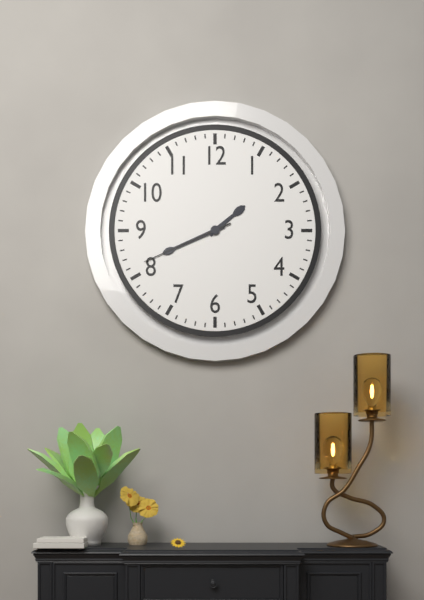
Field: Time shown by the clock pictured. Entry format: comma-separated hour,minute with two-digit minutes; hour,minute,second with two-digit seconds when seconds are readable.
1,41,41
